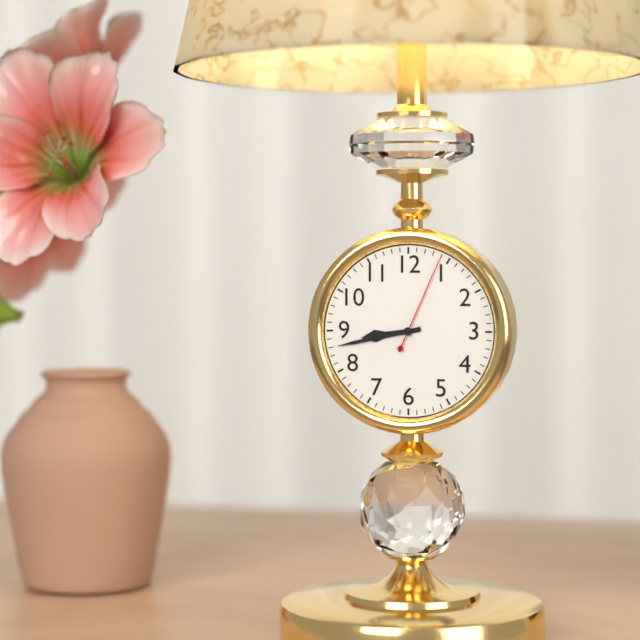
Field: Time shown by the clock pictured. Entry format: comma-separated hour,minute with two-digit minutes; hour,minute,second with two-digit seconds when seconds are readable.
8,43,04
